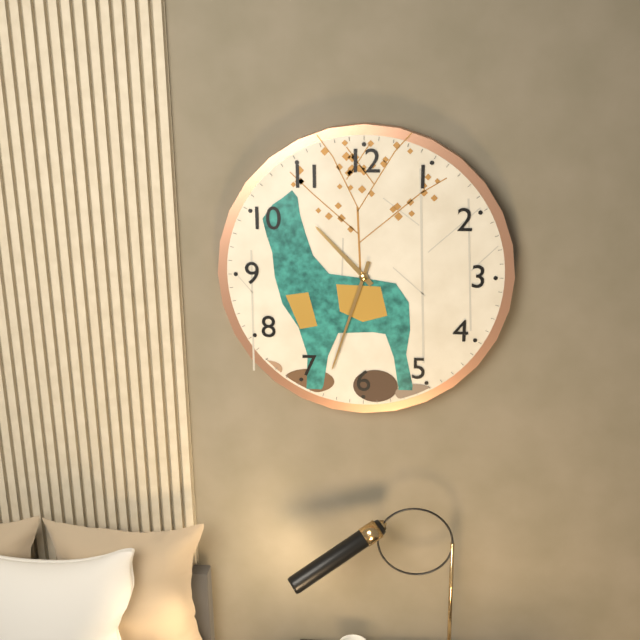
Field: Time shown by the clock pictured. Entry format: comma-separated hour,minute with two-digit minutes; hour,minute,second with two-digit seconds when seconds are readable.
10,33
